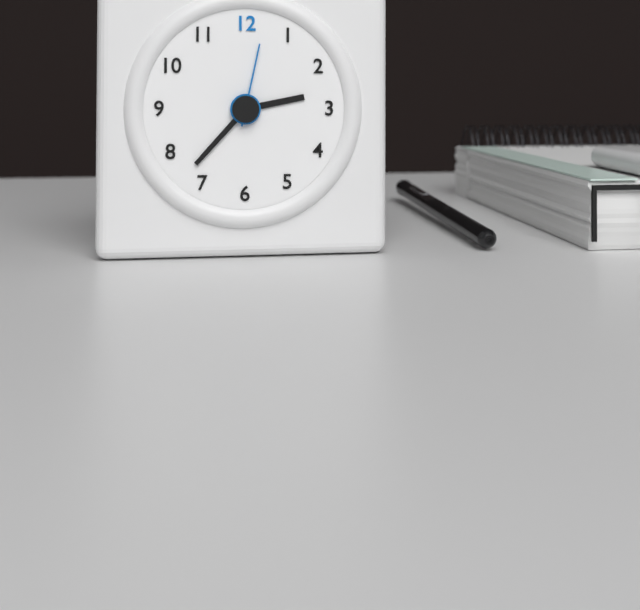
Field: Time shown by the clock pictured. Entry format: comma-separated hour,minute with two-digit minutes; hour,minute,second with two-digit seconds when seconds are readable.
2,37,02
